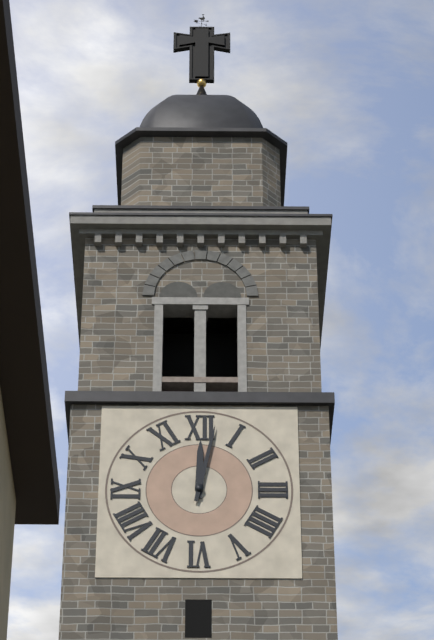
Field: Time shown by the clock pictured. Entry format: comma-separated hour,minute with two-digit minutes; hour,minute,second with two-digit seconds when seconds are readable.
12,02
